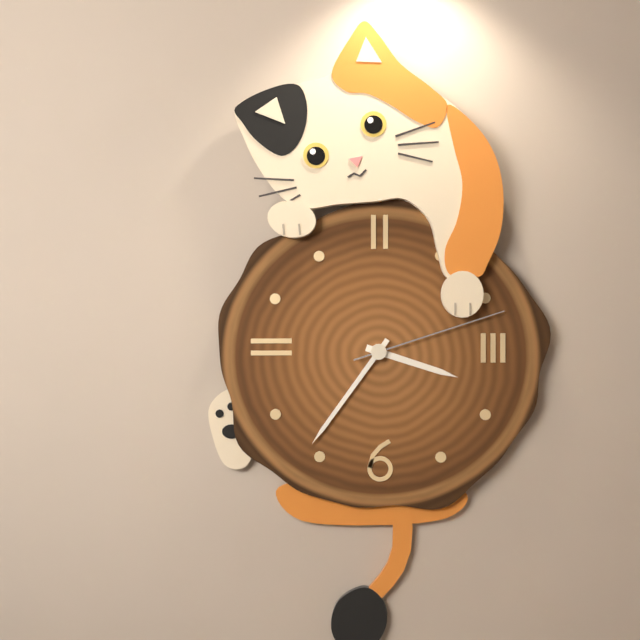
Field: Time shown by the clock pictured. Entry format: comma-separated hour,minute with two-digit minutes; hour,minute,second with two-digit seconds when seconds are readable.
3,36,12
